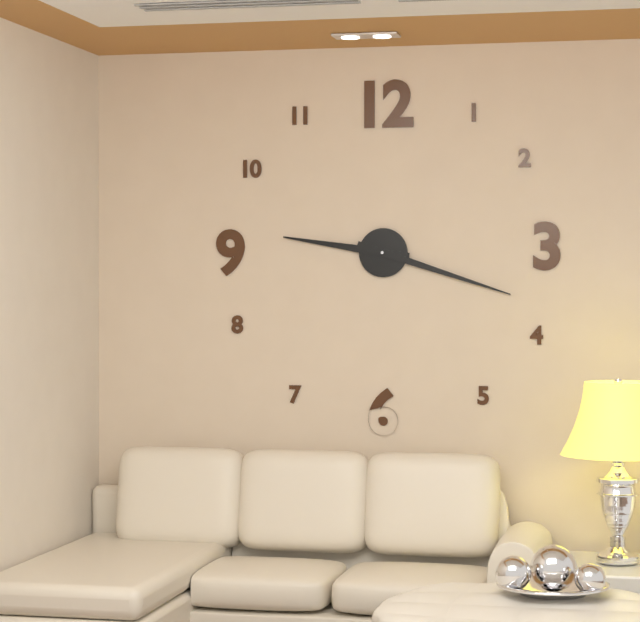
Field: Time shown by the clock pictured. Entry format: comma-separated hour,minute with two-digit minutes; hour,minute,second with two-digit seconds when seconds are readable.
9,18
